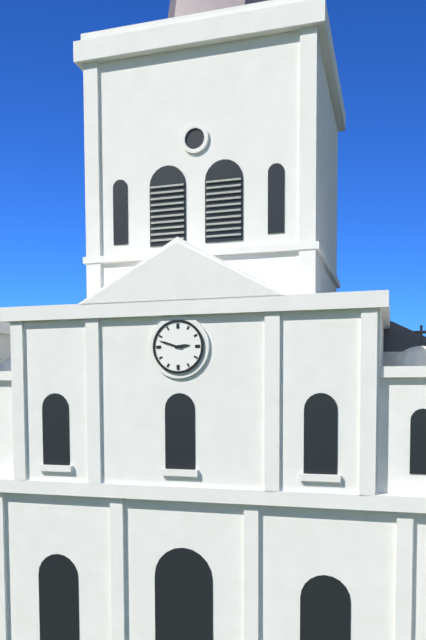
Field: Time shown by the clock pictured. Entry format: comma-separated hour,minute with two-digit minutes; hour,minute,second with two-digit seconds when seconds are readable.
2,48
